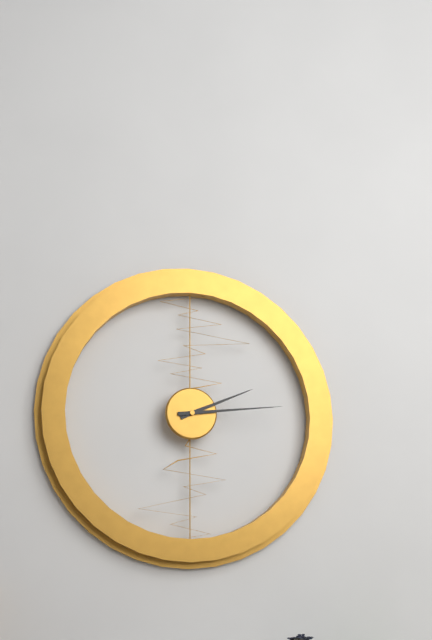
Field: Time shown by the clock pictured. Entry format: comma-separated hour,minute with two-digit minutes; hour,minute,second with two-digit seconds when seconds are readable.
2,14
